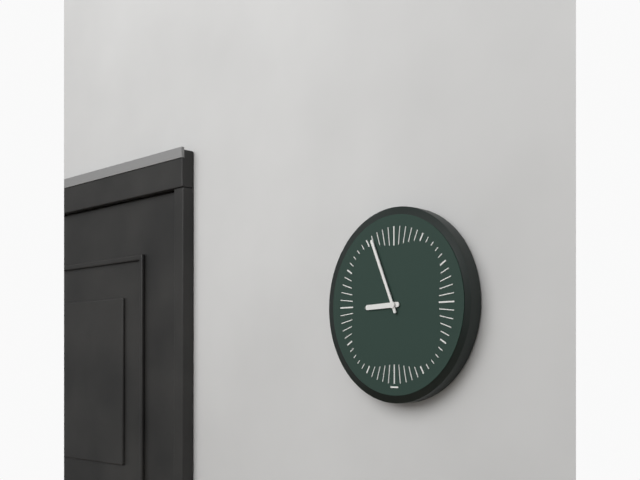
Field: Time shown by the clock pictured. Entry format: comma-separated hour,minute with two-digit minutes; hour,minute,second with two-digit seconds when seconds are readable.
8,56
